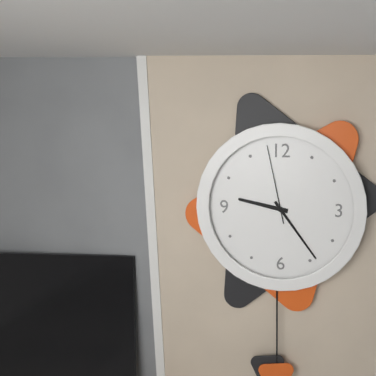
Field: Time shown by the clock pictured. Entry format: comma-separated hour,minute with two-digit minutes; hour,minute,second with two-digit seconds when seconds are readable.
9,24,58
